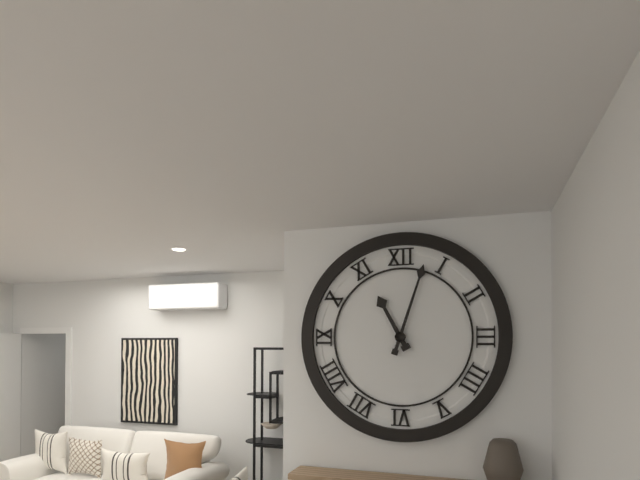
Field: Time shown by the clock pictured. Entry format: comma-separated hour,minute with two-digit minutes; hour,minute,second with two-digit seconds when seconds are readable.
11,03
